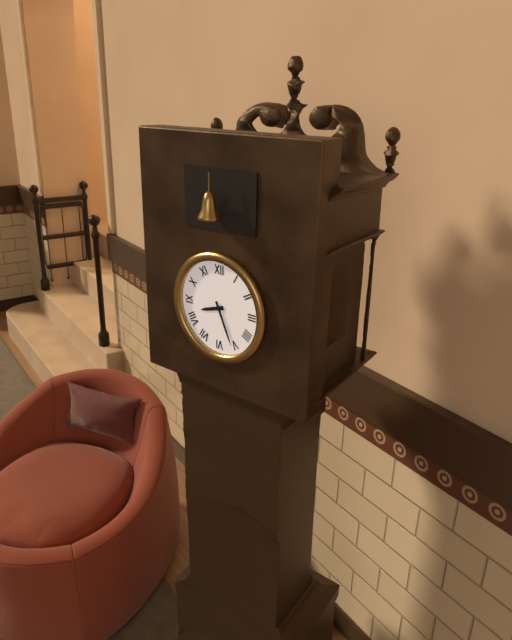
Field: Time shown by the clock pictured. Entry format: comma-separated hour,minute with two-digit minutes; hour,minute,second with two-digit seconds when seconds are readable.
8,26
